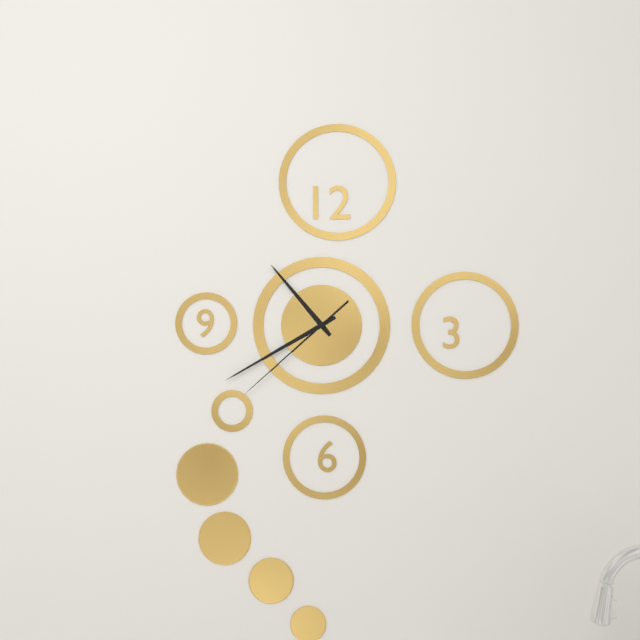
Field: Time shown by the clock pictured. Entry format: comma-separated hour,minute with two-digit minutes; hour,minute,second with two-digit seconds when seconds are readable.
10,40,38
